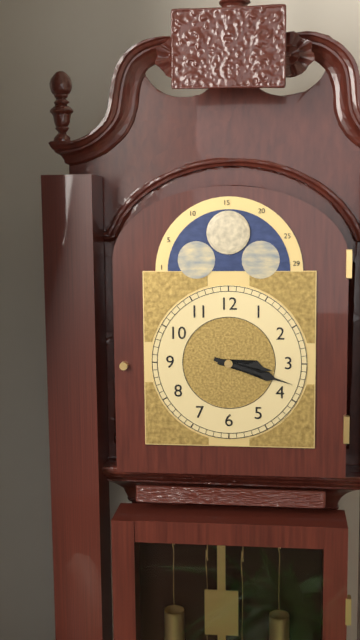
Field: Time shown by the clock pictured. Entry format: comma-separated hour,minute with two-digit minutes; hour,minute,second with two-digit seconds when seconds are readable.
3,18
